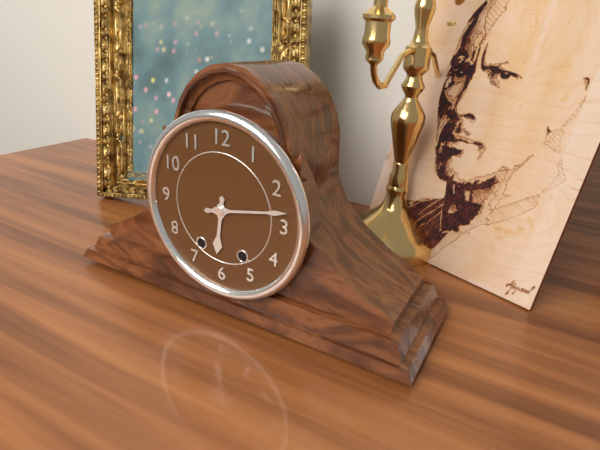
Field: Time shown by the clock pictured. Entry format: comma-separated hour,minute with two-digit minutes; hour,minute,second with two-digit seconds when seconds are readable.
6,13
